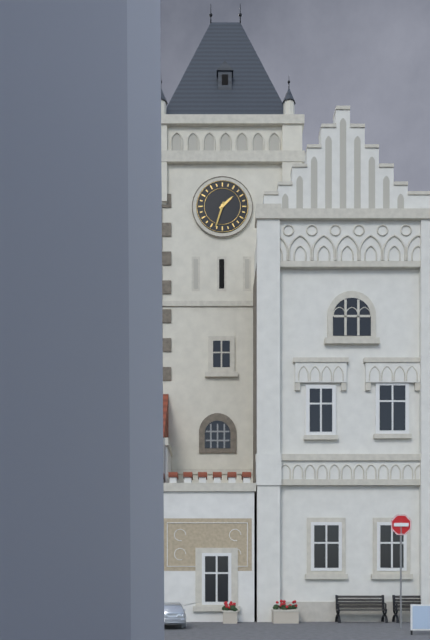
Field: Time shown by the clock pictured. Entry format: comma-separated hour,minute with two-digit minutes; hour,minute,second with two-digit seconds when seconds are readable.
1,33
